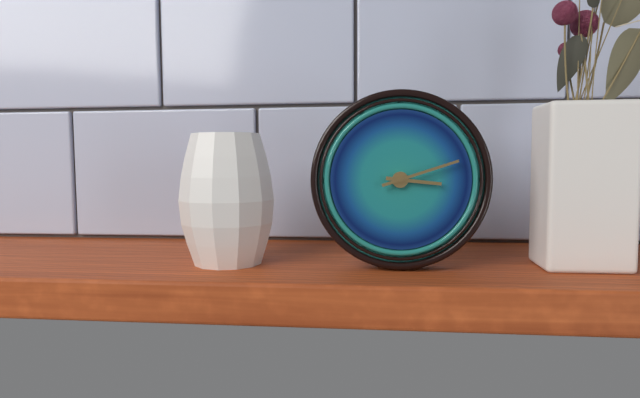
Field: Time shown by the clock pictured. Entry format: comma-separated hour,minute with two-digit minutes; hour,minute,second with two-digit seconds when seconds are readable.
3,12
